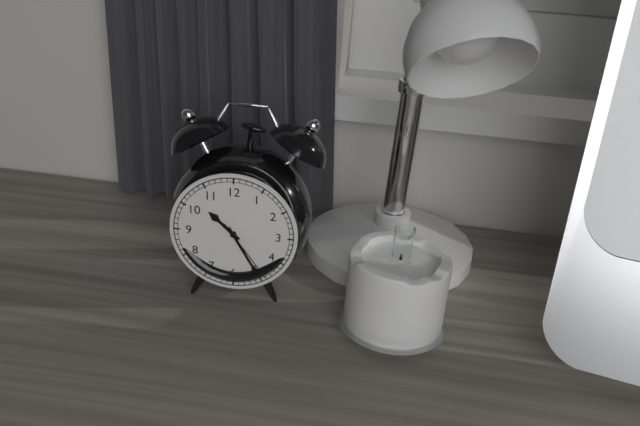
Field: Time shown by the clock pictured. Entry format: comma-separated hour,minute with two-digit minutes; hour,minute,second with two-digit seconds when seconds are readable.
10,25,24
